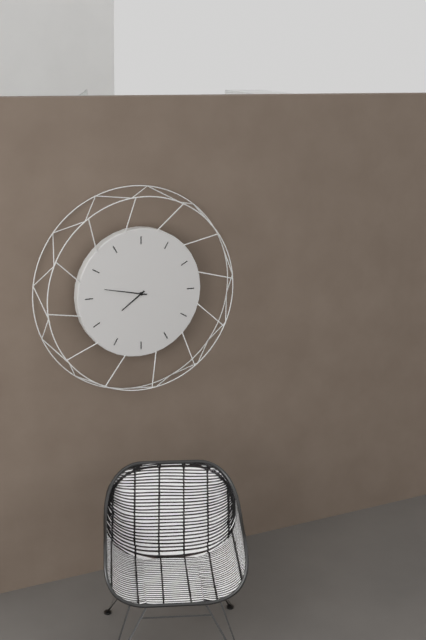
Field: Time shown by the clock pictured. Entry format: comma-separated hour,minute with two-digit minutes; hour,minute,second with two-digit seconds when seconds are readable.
7,47
